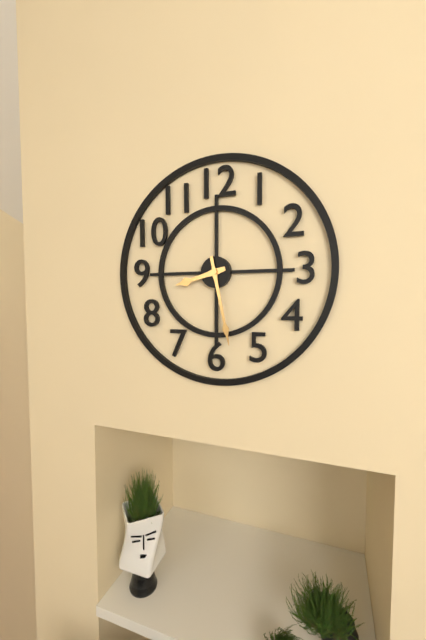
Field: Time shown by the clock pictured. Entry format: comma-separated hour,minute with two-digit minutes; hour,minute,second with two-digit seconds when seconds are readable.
8,28
